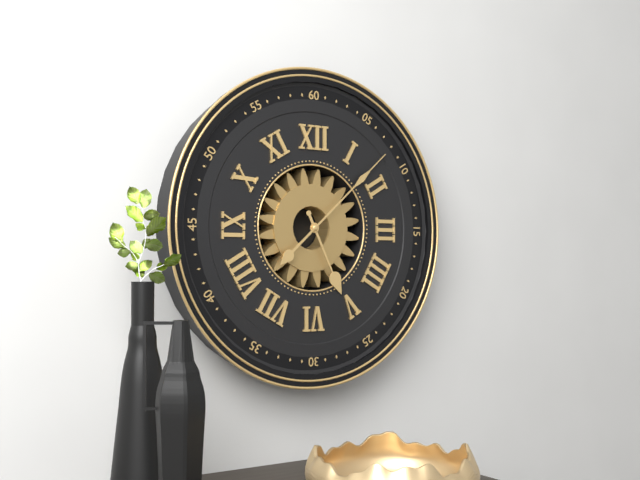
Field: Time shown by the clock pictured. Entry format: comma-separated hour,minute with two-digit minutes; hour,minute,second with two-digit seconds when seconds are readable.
5,08
